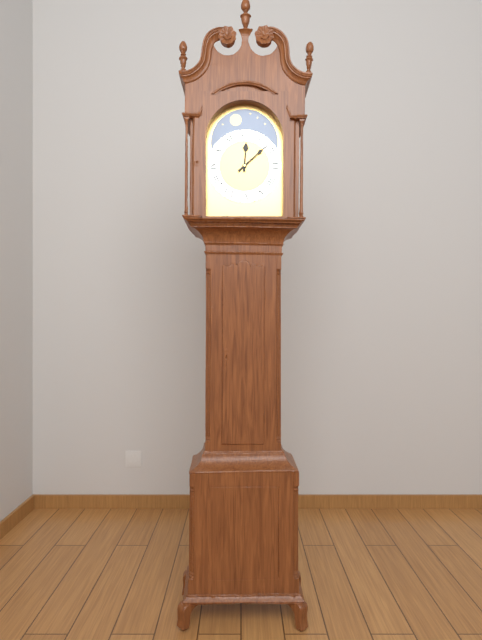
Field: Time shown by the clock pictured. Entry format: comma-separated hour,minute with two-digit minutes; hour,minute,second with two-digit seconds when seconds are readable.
12,08
